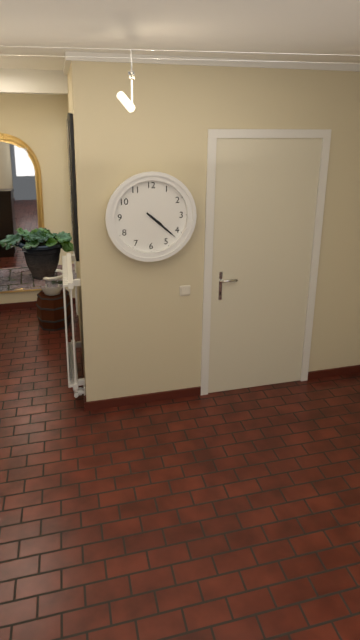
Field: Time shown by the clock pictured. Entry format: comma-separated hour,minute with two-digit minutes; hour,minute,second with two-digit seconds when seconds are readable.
4,22
